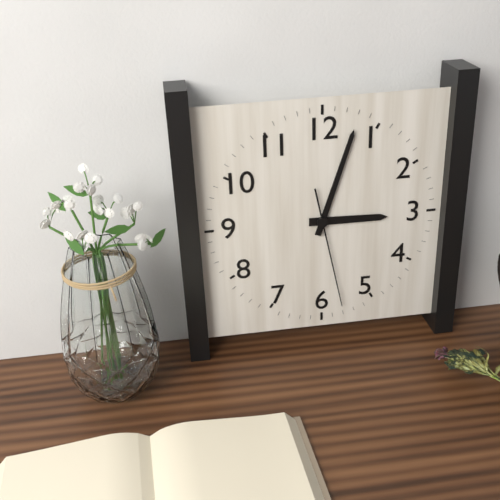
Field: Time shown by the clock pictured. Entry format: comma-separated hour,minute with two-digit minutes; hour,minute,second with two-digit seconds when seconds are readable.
3,03,28
